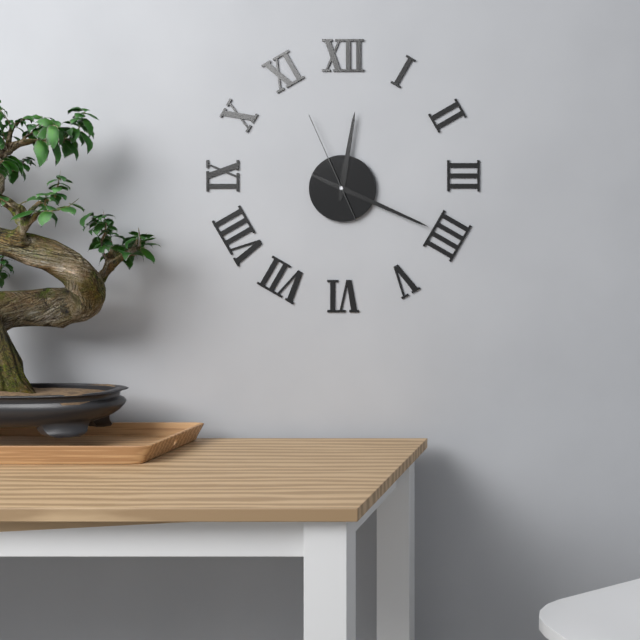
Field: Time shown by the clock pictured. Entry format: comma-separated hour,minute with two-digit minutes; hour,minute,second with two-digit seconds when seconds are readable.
12,19,56
